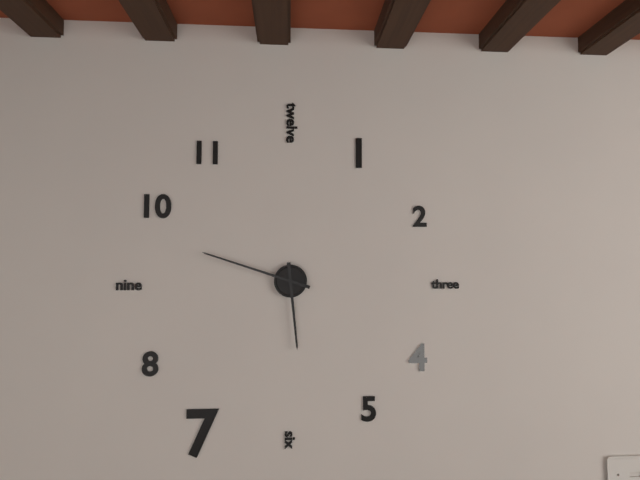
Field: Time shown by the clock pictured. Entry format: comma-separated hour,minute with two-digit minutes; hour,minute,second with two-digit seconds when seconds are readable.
5,48
